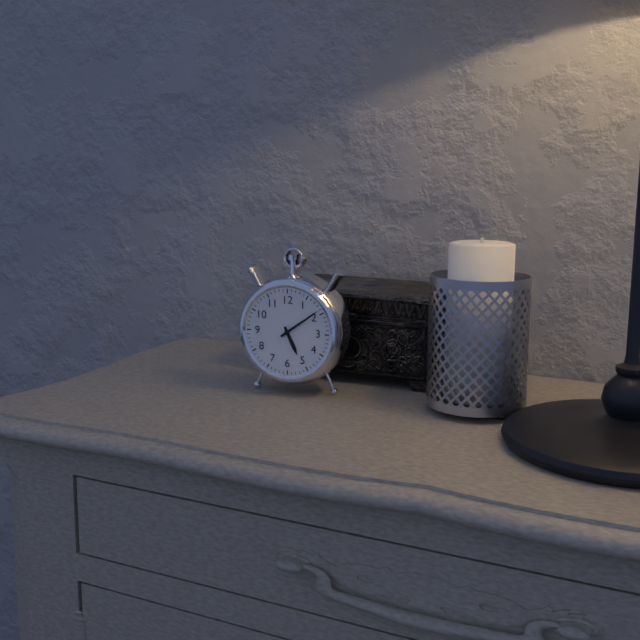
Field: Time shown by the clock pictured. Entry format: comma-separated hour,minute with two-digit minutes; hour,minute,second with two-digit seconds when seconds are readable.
5,09
